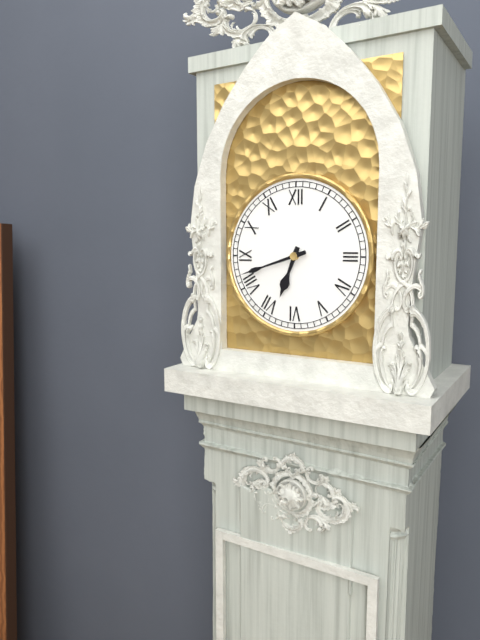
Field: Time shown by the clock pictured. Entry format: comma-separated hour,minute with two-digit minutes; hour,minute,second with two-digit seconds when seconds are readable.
6,42
